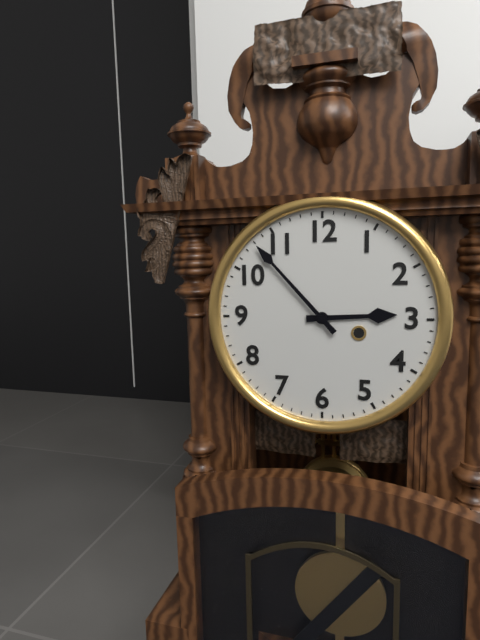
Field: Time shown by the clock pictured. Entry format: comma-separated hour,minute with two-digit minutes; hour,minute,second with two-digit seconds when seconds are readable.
2,53
